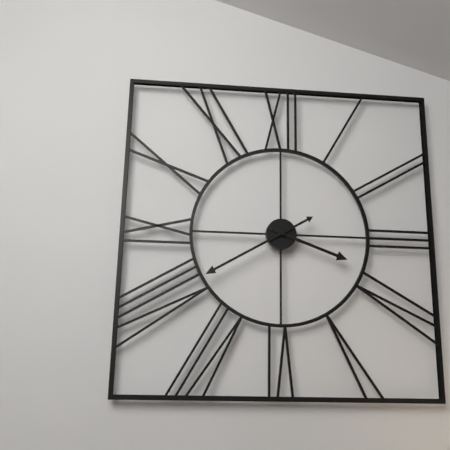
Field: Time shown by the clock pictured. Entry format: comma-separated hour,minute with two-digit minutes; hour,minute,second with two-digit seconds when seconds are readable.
3,40
